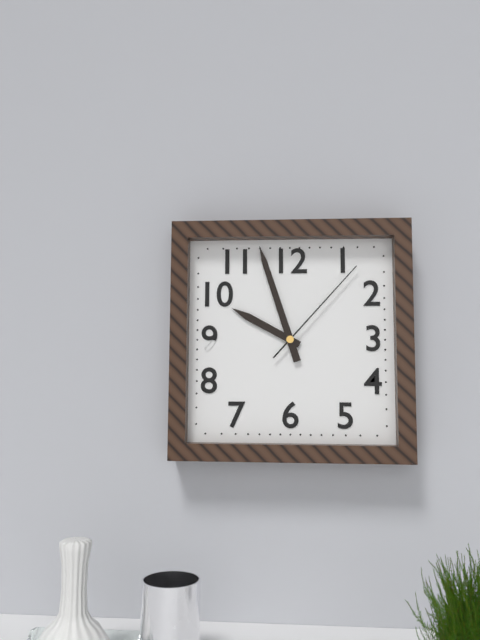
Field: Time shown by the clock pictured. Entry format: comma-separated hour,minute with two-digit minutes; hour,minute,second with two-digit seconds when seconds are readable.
9,57,07
